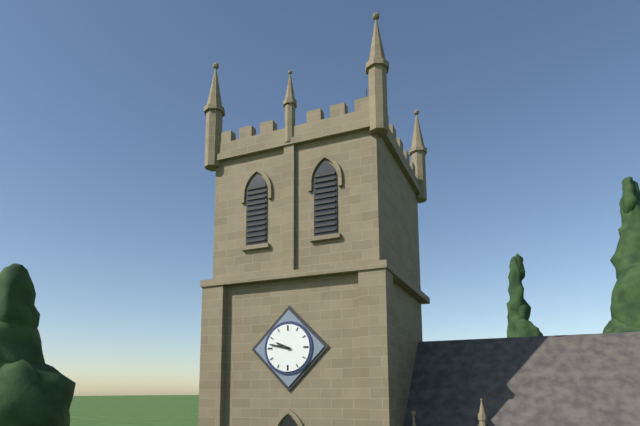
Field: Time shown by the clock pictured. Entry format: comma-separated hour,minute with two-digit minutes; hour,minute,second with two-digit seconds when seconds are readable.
9,47
